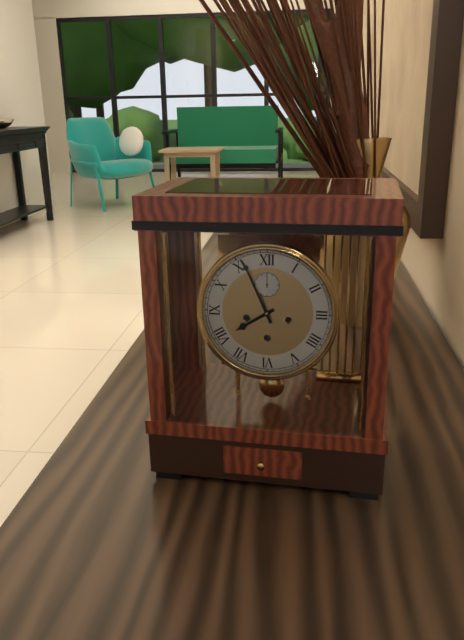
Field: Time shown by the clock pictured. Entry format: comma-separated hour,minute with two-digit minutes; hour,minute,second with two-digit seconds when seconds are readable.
7,56
